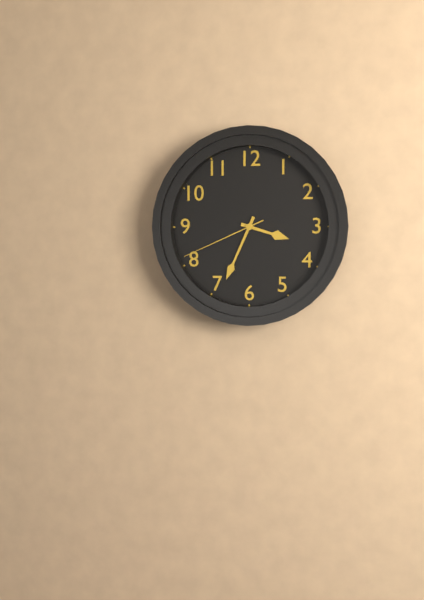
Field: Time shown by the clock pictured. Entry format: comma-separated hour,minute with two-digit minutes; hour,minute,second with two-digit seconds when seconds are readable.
3,34,41
